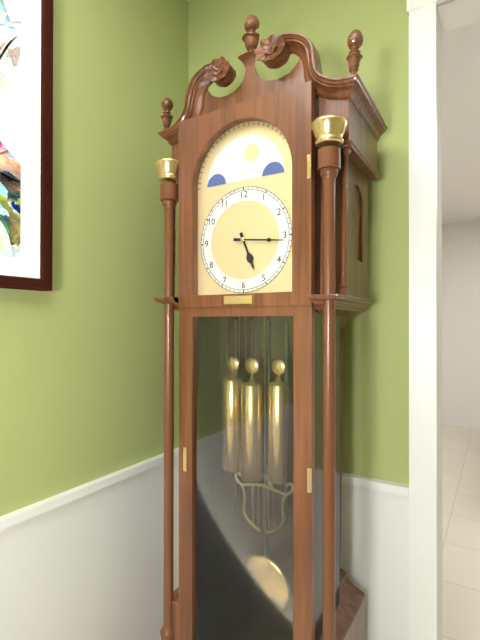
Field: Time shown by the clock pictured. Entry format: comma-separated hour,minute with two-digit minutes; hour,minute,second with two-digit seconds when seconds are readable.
5,16
